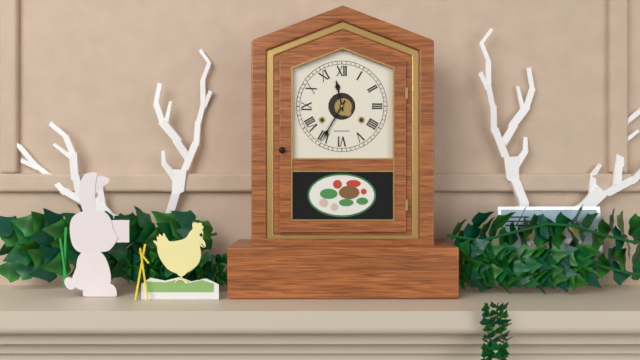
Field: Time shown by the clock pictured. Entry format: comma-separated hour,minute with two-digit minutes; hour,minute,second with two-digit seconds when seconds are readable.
11,35
